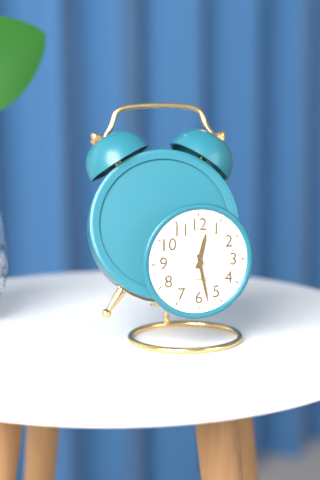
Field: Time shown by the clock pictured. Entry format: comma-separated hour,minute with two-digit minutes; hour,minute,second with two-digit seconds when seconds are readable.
12,28
